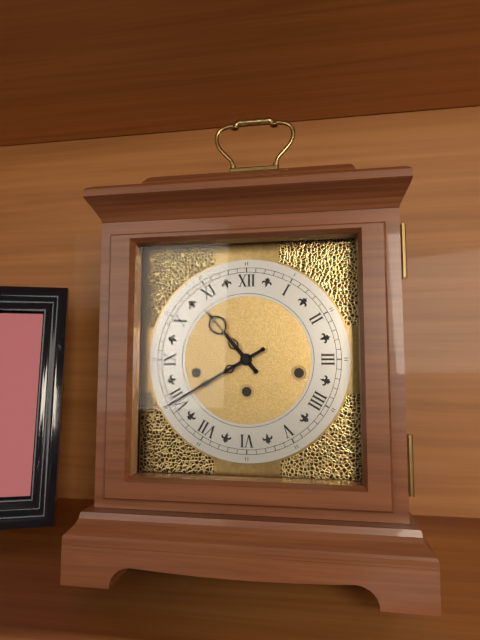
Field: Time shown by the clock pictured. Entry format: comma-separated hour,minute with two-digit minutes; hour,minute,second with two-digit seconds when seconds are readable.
10,40
